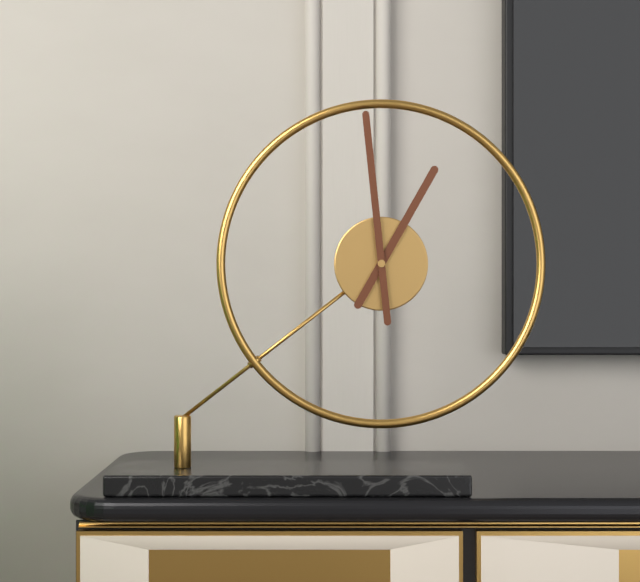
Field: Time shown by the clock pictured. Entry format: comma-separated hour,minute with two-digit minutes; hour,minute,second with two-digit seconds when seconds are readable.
12,59
